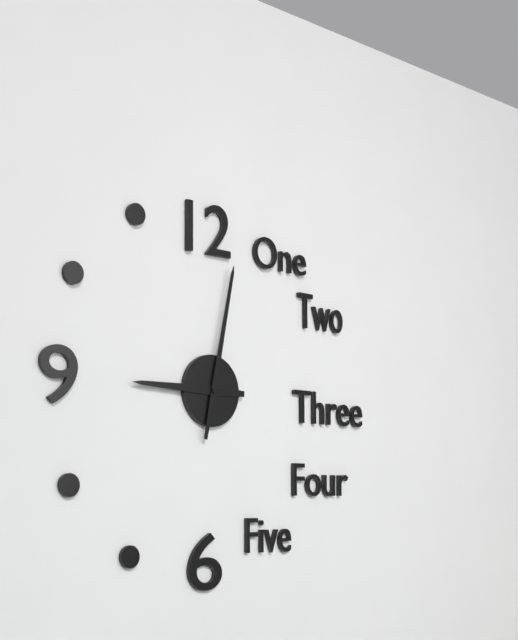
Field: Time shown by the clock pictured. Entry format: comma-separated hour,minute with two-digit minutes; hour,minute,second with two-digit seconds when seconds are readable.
9,02
